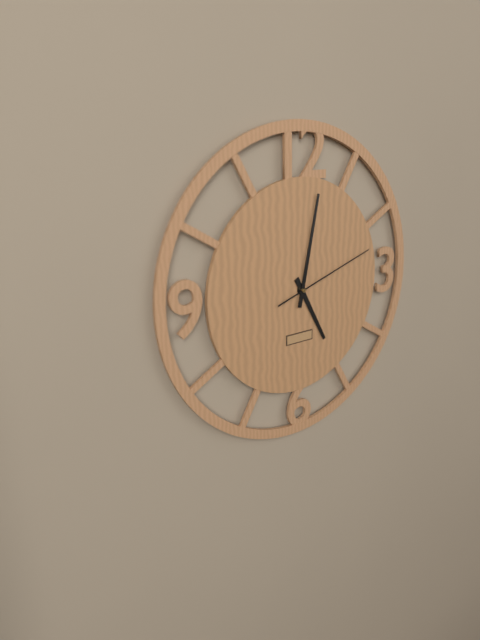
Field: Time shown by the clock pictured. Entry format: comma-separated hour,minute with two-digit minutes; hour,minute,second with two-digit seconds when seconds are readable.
5,02,12
